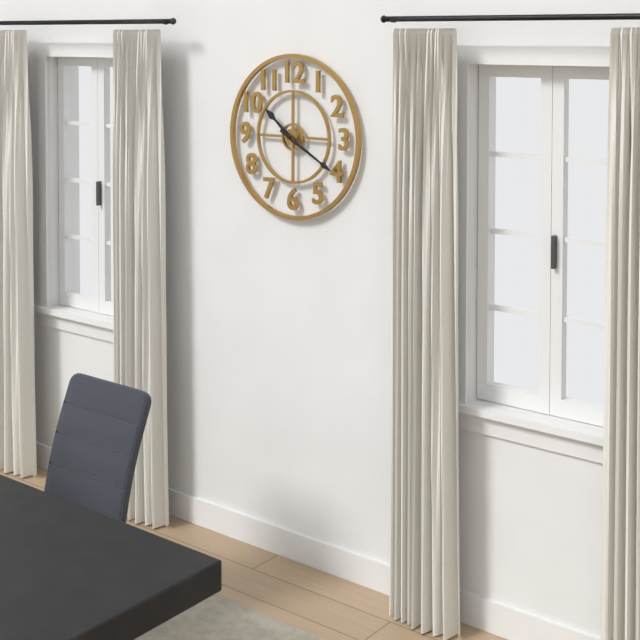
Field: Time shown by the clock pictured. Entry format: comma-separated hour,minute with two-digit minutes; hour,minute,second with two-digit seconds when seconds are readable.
10,20
